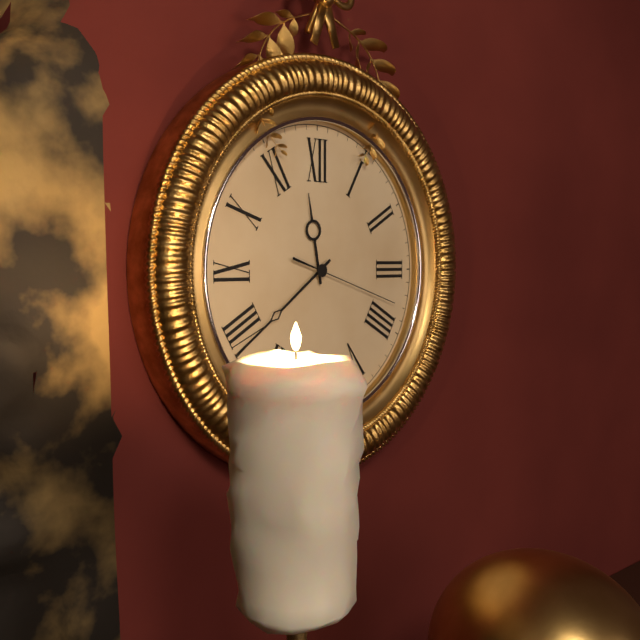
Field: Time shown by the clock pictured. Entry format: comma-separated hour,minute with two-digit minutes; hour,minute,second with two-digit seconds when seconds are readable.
11,39,18
